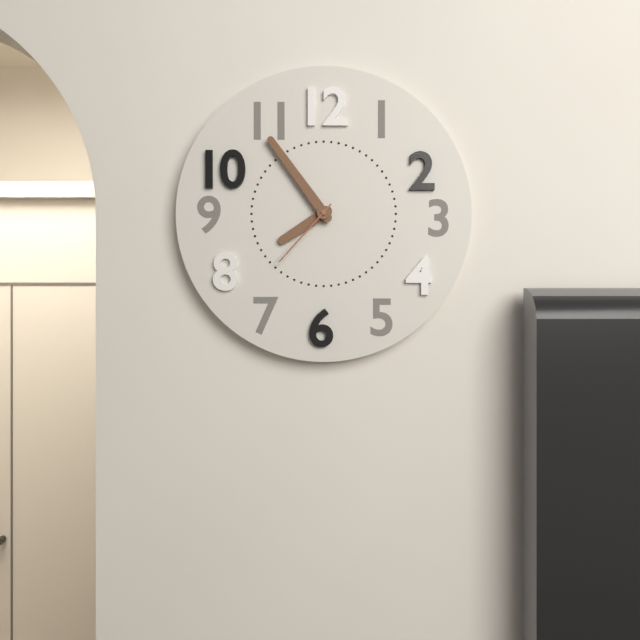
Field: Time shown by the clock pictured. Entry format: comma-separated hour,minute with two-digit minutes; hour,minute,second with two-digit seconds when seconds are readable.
7,54,37
